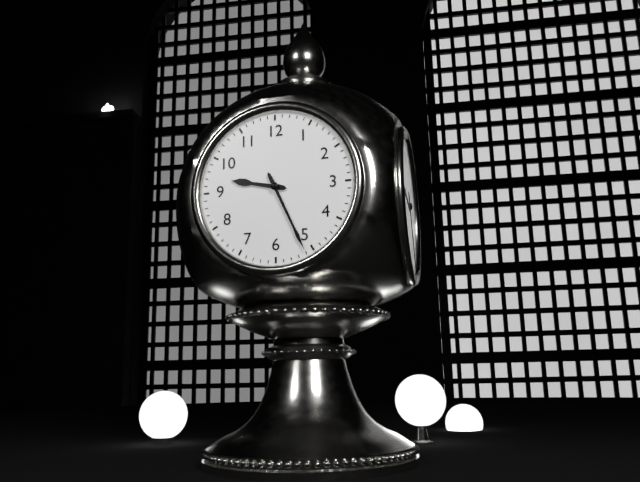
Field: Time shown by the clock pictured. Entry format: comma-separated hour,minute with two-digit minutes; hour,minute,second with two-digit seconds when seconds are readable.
9,26
